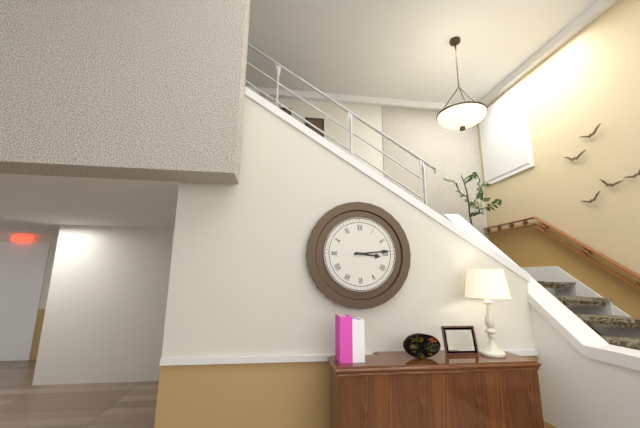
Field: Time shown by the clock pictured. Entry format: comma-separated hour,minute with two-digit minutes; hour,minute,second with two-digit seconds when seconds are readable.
3,14
